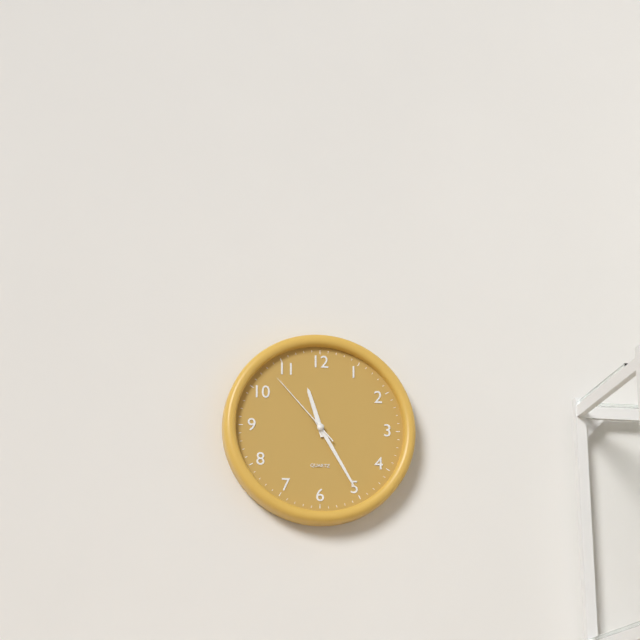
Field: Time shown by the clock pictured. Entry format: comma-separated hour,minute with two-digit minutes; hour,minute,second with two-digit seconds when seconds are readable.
11,25,53
